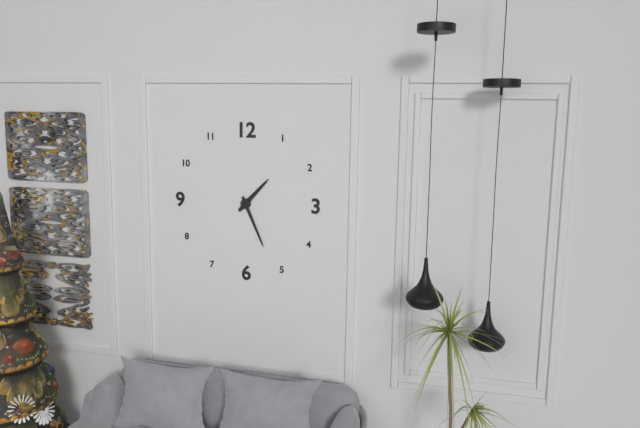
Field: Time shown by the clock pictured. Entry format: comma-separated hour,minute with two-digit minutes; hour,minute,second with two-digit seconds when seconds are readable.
1,26
